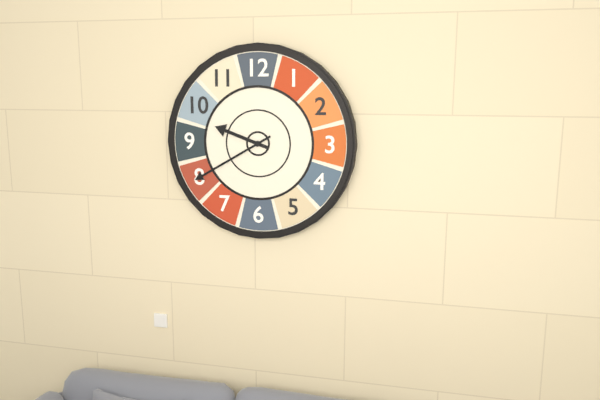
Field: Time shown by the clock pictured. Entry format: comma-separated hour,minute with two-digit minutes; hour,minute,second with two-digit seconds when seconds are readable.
9,40
